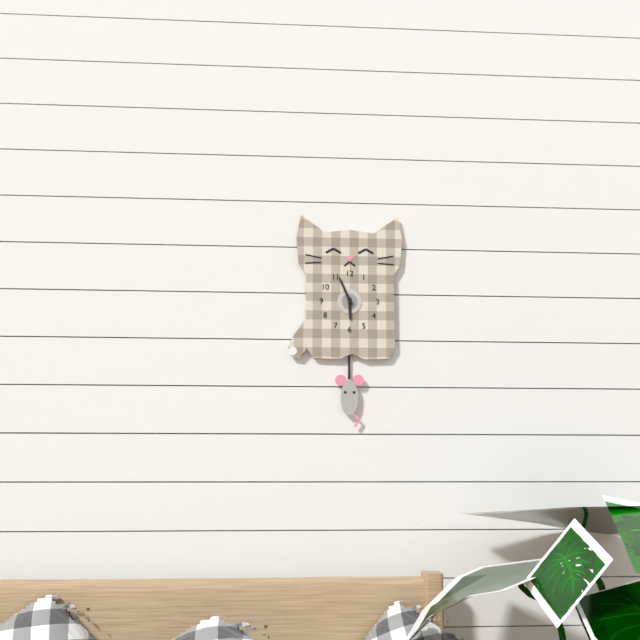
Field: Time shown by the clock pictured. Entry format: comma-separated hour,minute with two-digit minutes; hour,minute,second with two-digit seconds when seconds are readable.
5,56
